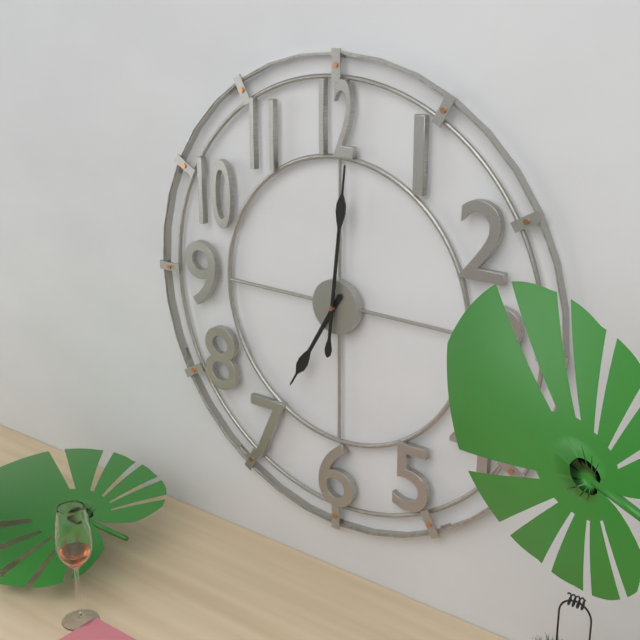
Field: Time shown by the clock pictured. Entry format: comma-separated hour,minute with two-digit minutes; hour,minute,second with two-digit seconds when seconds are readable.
7,01
